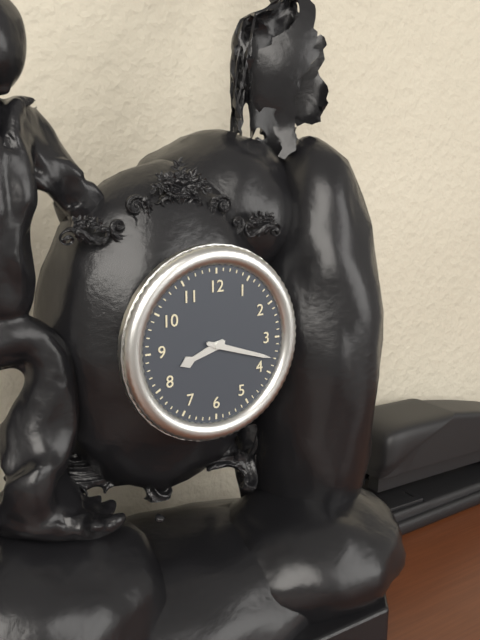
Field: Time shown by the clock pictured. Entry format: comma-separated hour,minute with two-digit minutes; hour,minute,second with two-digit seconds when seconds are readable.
8,18
